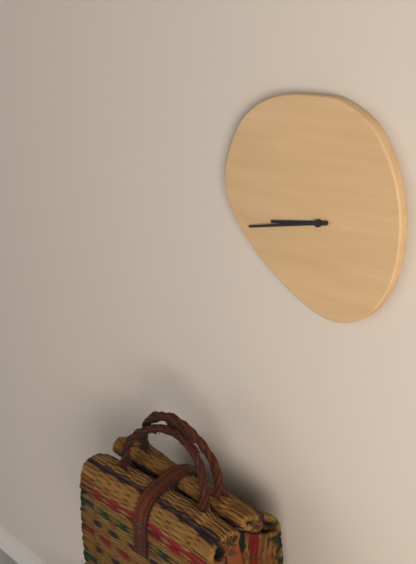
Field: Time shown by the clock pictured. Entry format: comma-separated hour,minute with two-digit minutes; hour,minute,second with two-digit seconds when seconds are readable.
8,43
